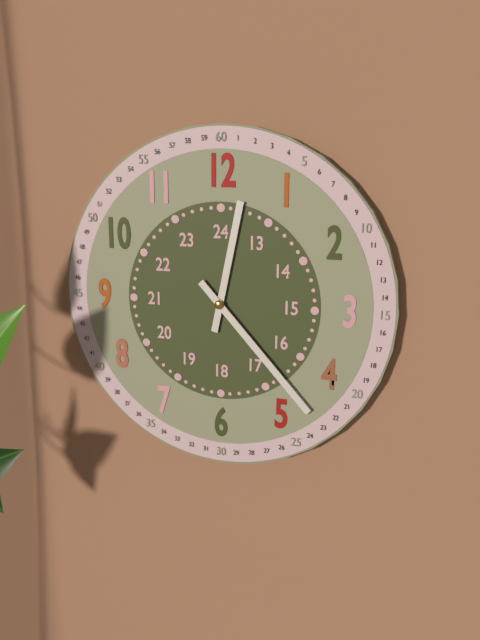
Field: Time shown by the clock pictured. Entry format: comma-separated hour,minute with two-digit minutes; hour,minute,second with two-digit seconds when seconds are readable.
12,23
